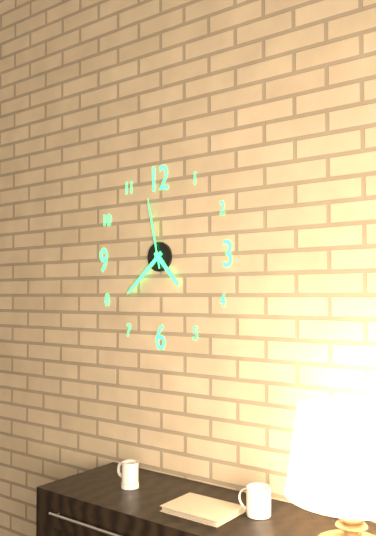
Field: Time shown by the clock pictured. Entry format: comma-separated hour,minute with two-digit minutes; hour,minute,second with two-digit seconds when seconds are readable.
4,38,58
